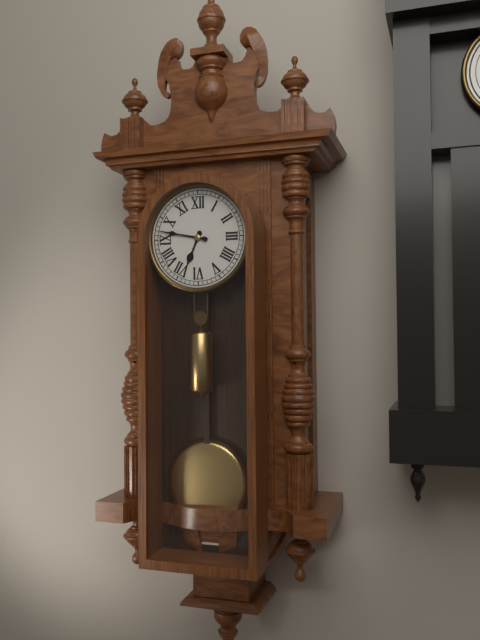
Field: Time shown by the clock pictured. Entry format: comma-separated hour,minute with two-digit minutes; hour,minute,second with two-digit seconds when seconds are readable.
6,47
